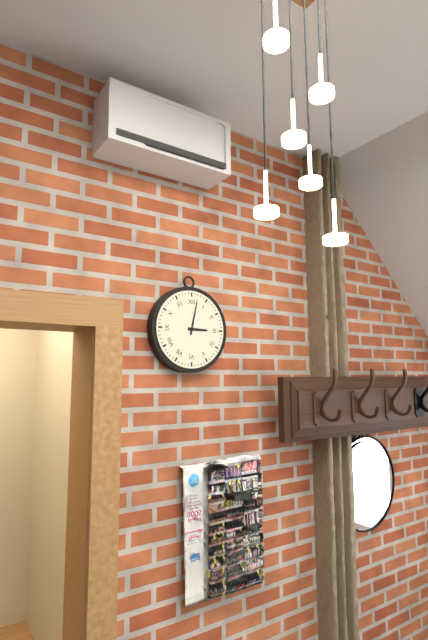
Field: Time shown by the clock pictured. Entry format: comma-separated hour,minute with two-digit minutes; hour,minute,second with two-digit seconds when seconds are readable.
3,02
